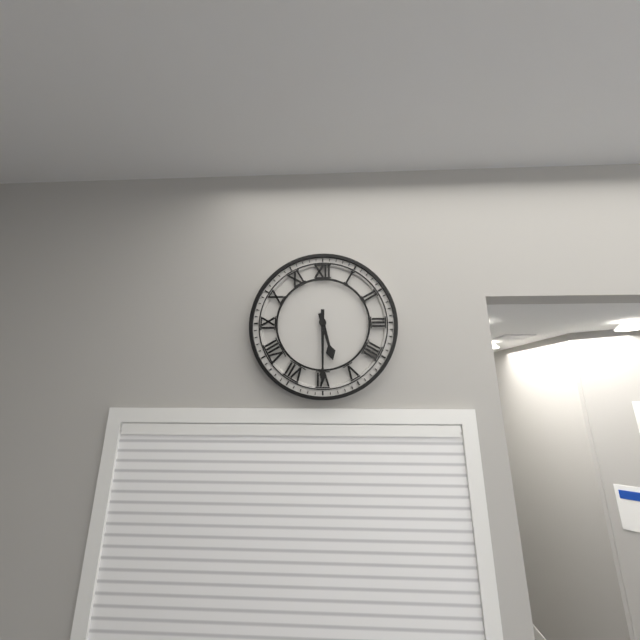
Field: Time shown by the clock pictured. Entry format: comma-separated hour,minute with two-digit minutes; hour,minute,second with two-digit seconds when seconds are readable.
5,30
